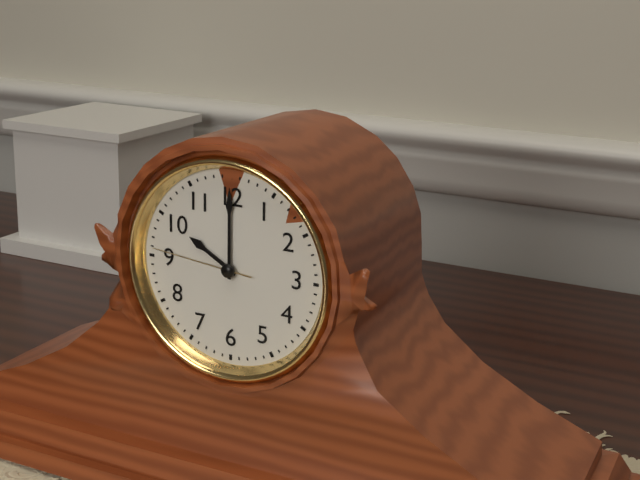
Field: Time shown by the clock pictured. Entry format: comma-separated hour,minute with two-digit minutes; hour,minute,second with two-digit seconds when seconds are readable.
10,00,46
